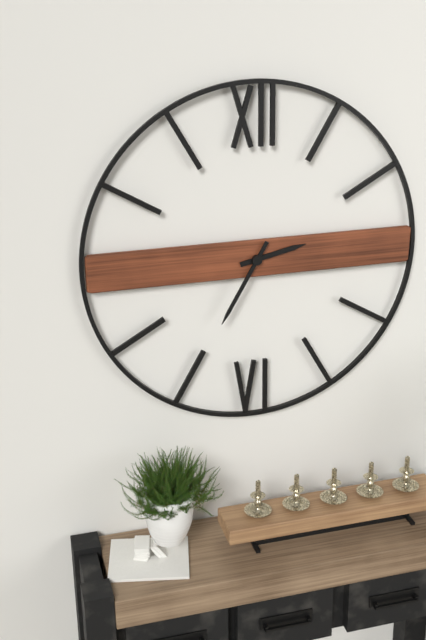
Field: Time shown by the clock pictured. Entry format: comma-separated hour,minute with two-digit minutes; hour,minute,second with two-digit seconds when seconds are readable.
2,35
